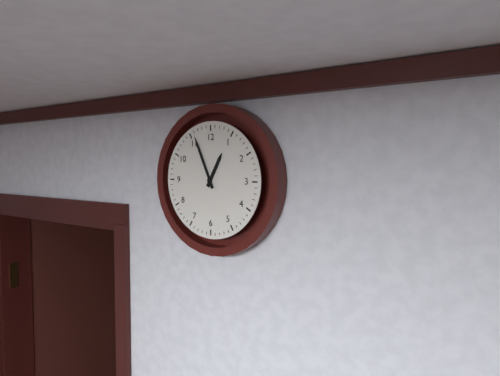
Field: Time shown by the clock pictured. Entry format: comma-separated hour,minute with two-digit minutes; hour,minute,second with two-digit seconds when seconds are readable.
12,56
